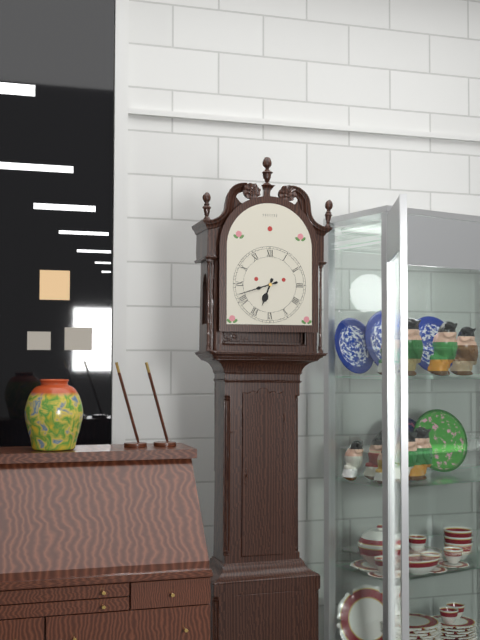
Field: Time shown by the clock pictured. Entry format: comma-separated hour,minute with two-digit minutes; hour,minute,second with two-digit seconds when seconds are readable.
6,42
